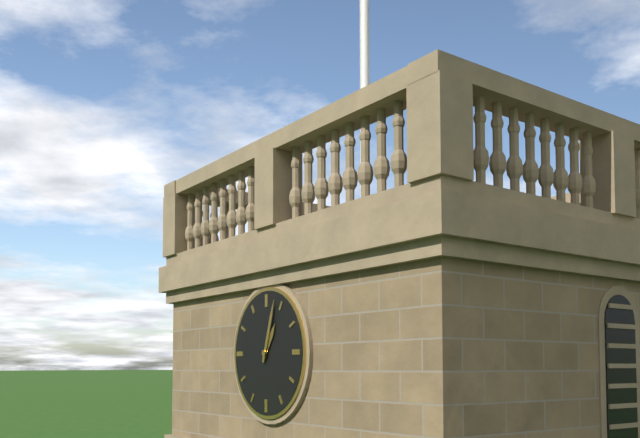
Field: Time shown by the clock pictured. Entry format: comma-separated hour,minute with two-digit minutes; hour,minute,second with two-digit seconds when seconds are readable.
1,03
